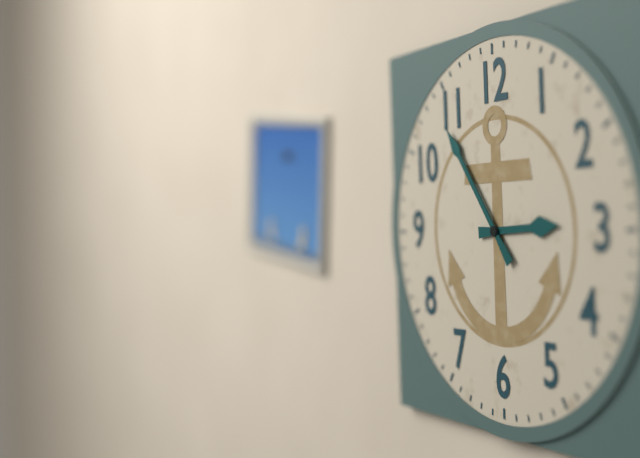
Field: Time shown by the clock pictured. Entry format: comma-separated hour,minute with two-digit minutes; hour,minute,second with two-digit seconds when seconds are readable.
2,54
